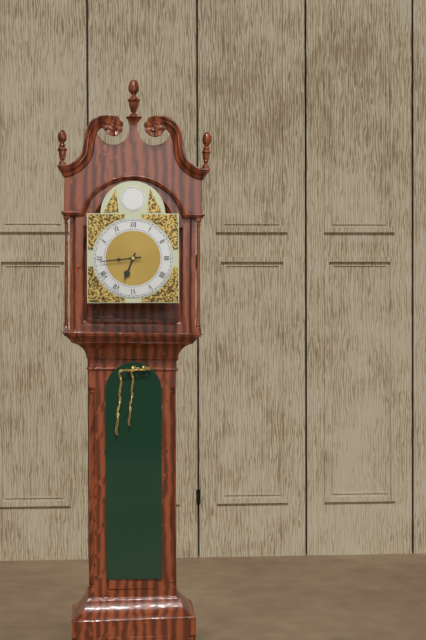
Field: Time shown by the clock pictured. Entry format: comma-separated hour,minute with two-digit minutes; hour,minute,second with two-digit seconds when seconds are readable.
6,44
